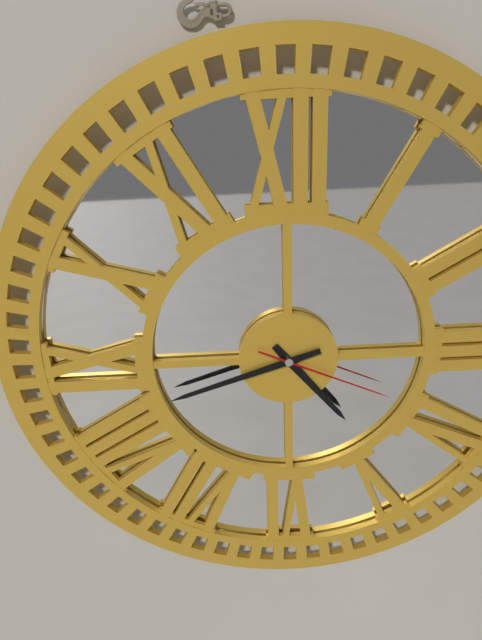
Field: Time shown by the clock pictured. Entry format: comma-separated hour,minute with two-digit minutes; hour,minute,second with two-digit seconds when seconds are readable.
4,42,19
